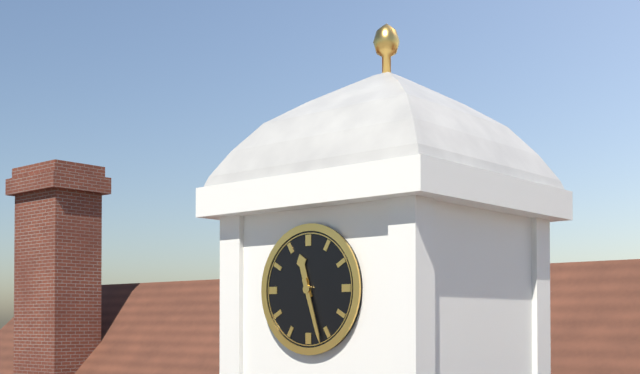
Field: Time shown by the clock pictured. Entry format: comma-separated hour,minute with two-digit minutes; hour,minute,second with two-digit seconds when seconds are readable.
11,27
